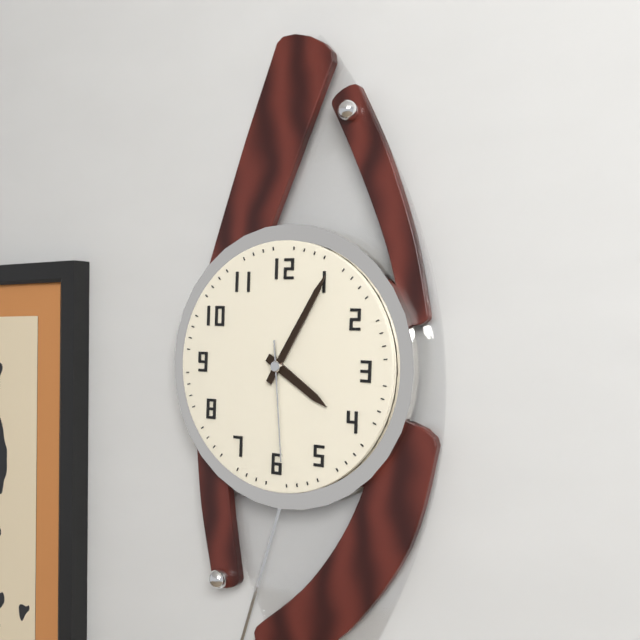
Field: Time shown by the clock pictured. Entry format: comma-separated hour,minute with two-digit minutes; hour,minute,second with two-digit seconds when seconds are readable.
4,05,29
